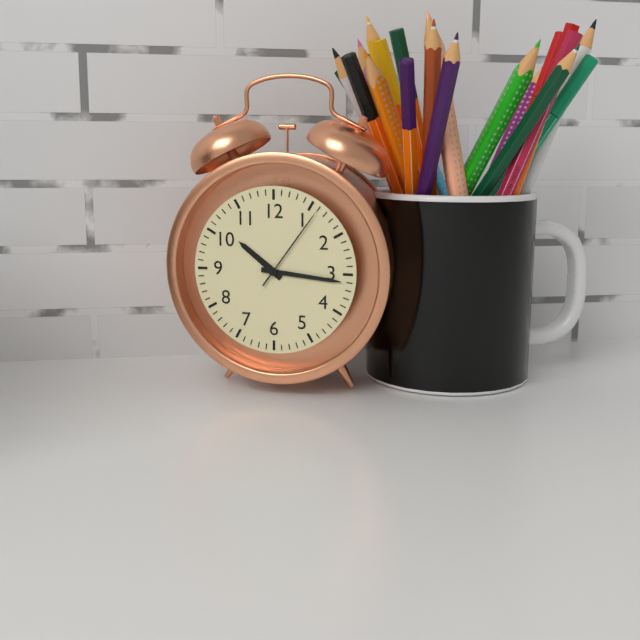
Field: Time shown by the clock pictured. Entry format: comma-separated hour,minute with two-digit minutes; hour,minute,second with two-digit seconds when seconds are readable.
10,16,06
